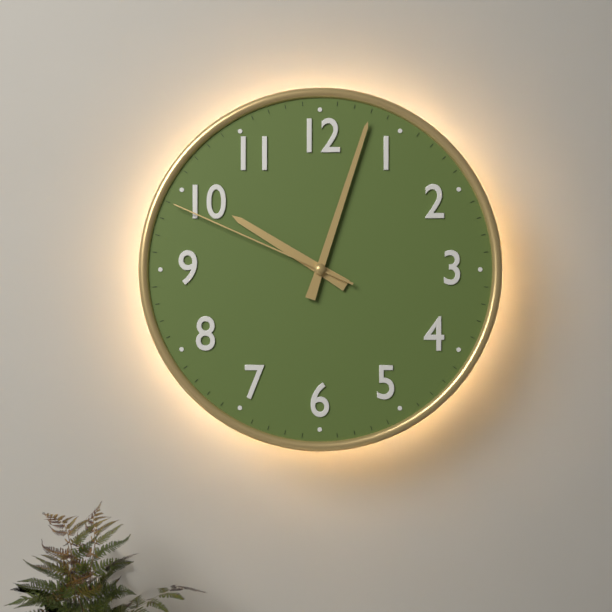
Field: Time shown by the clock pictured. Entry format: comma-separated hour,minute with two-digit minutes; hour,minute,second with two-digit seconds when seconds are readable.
10,03,49
